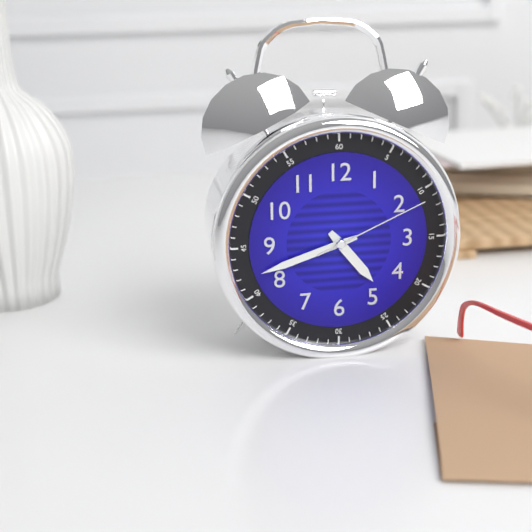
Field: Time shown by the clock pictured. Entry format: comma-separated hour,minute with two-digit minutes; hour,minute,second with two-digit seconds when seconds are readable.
4,42,11
